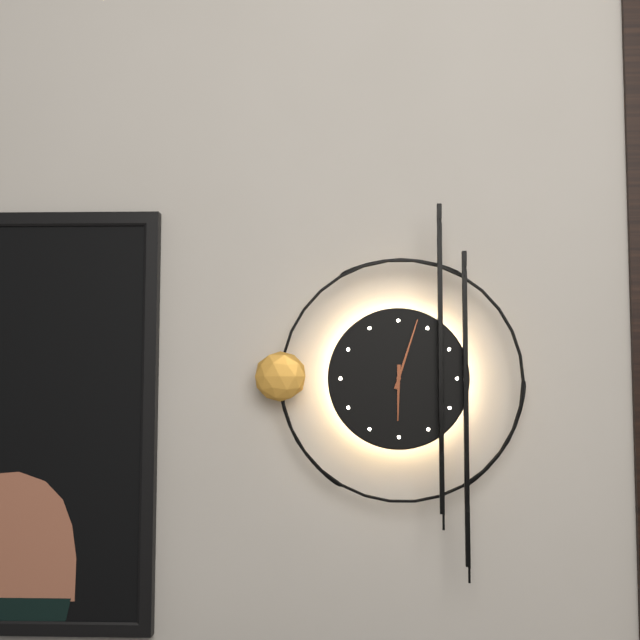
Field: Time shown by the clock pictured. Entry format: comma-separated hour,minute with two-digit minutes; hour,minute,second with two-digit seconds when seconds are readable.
6,03
